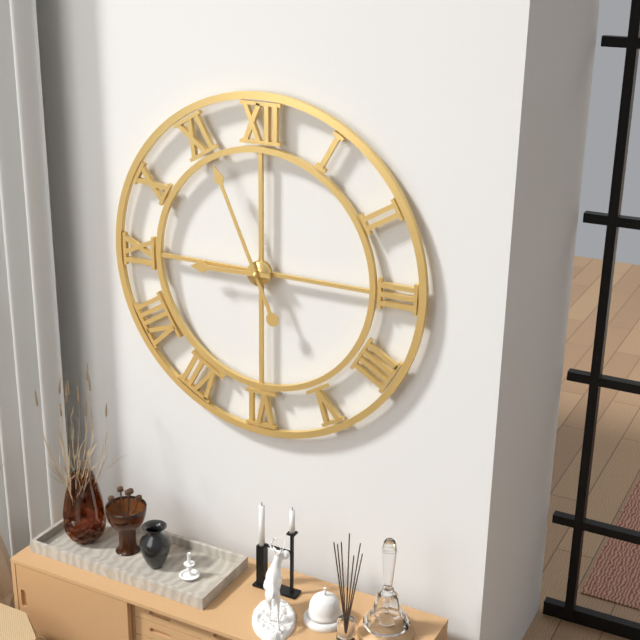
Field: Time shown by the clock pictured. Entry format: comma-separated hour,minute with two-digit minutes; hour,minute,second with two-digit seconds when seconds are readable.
8,56
